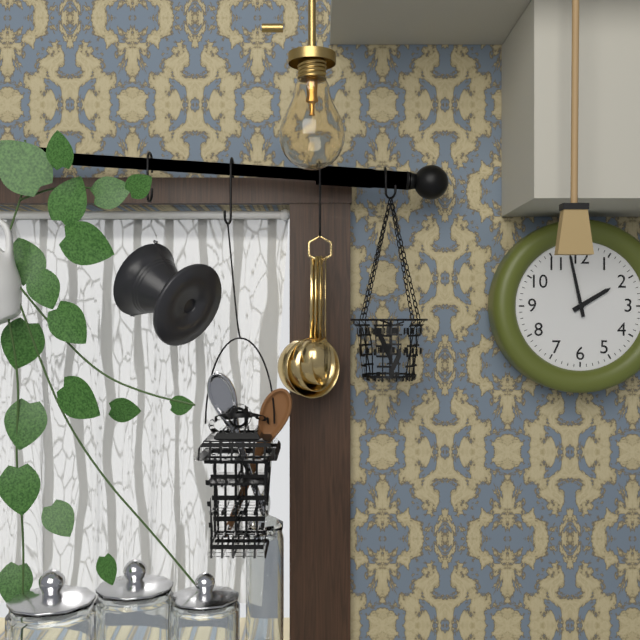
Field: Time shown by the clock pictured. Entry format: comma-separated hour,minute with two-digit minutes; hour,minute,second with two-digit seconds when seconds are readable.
1,58
